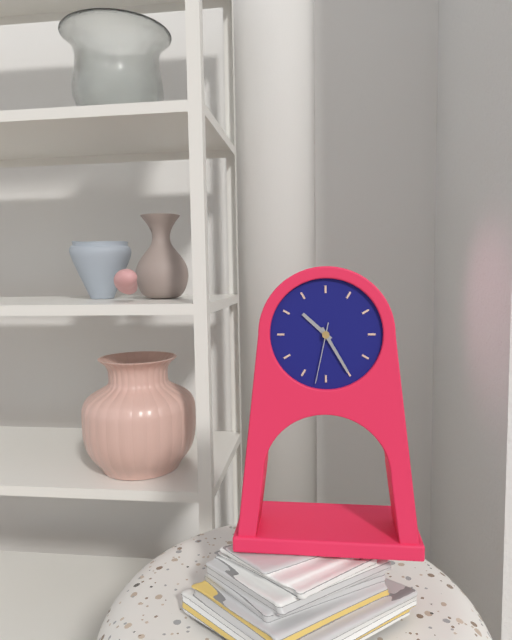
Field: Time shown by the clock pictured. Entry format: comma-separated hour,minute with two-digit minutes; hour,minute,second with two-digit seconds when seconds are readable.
10,25,32
